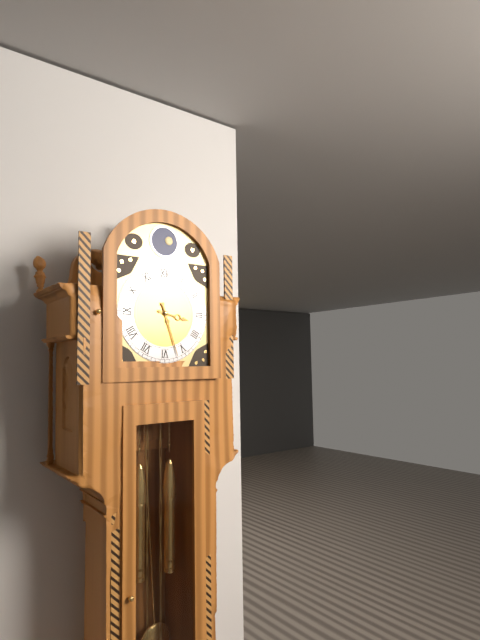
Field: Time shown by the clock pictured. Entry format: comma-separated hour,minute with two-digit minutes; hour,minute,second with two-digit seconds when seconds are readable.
3,27
